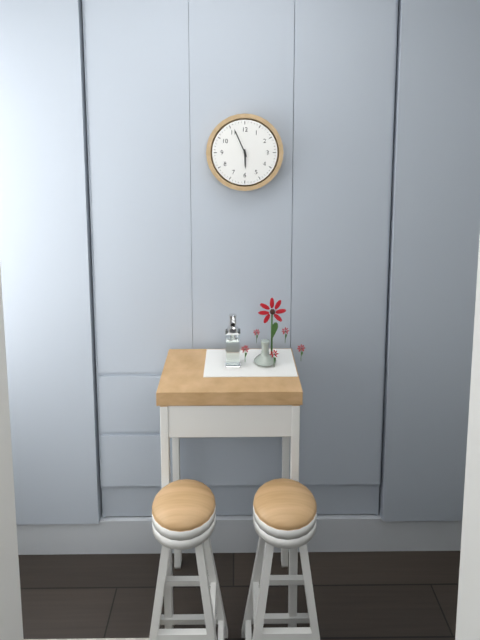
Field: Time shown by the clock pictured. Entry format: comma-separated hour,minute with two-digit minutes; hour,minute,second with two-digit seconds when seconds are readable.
5,56
